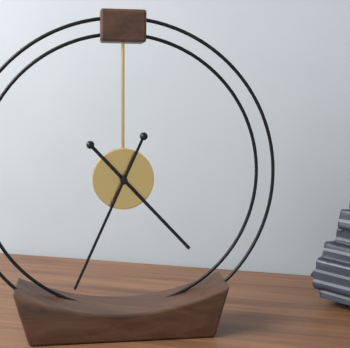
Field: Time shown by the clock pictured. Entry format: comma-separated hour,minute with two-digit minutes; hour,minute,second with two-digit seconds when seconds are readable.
4,34
